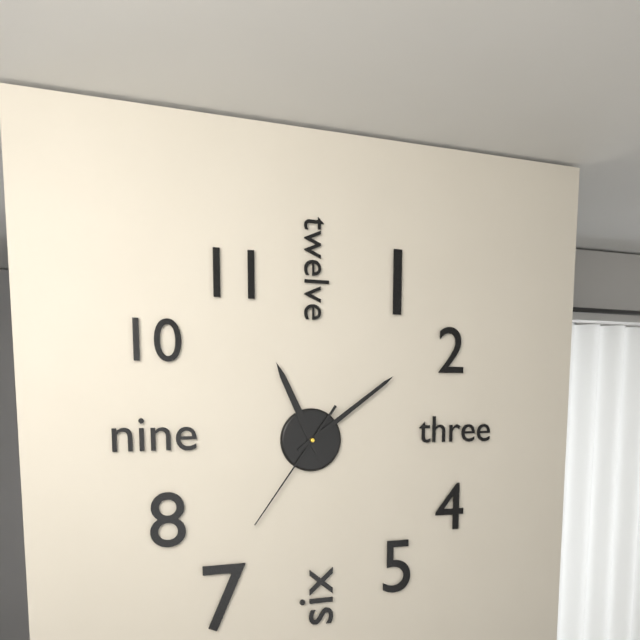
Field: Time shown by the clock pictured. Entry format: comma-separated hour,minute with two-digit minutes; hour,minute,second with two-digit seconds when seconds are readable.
11,09,36
